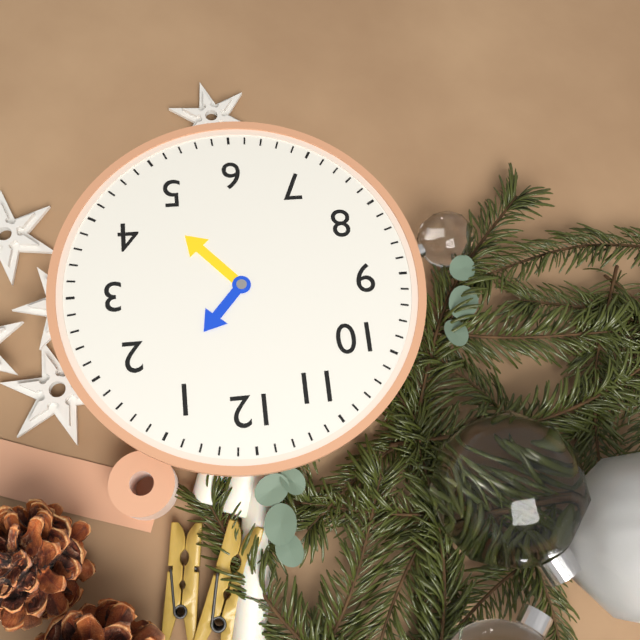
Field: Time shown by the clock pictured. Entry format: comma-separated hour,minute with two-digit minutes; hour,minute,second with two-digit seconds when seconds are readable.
1,23
